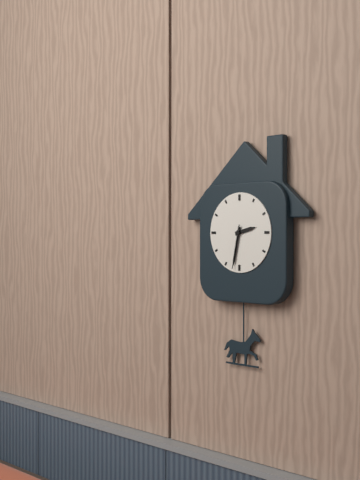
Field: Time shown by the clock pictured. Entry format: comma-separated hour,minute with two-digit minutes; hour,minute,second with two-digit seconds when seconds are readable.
2,32
